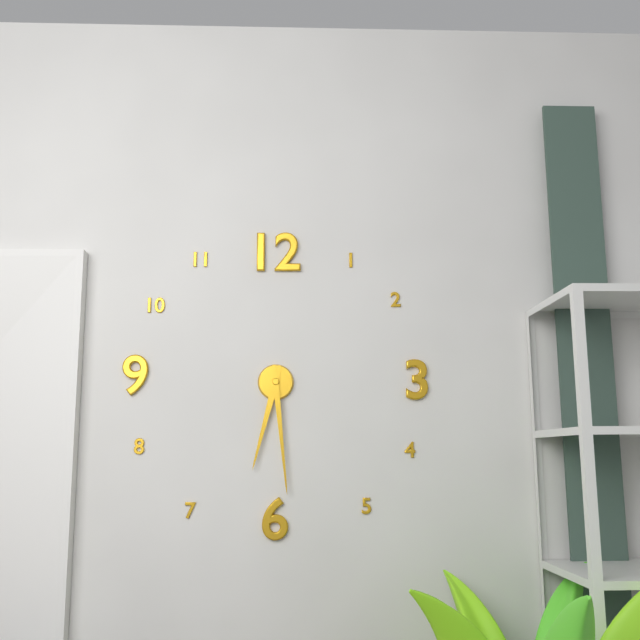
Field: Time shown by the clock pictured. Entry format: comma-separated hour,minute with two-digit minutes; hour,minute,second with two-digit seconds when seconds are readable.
6,29
